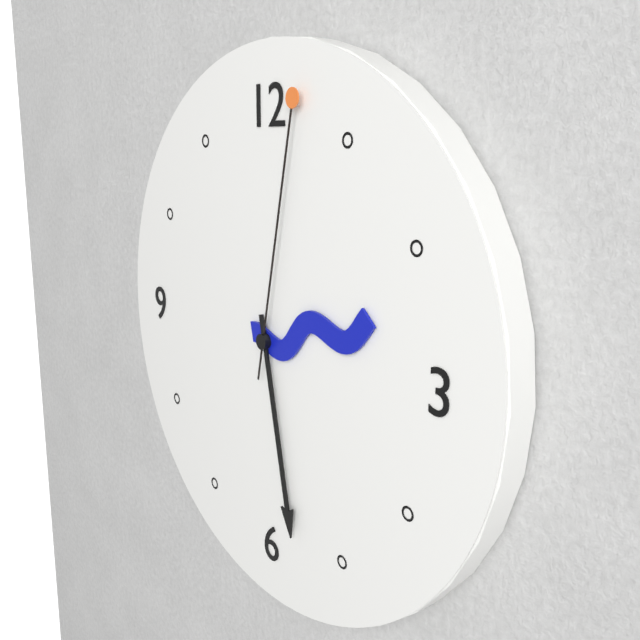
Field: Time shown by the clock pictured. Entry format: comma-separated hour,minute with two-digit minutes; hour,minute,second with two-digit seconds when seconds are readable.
2,28,02
